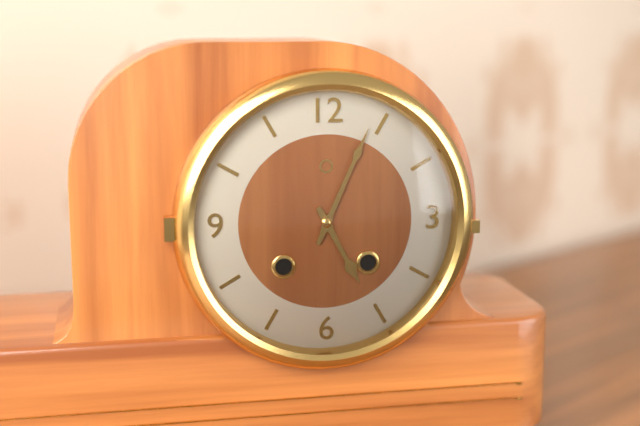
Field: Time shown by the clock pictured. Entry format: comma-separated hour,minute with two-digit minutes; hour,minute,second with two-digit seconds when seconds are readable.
5,04
